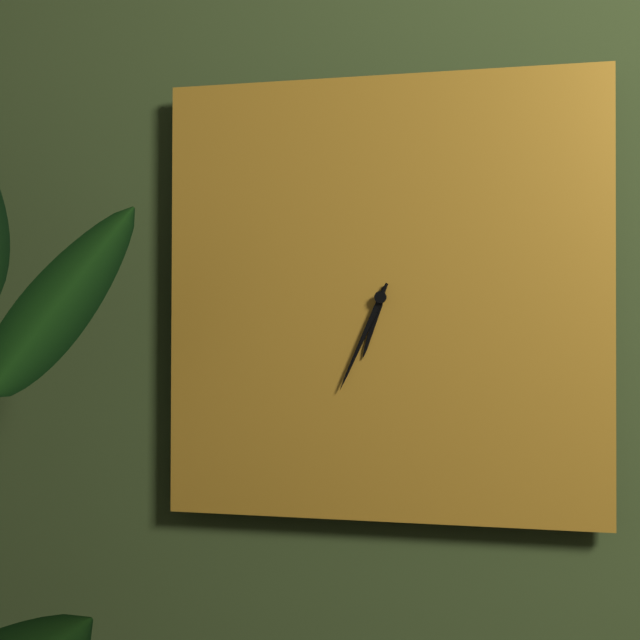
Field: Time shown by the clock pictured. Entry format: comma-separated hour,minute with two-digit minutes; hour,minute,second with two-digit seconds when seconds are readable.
6,34
